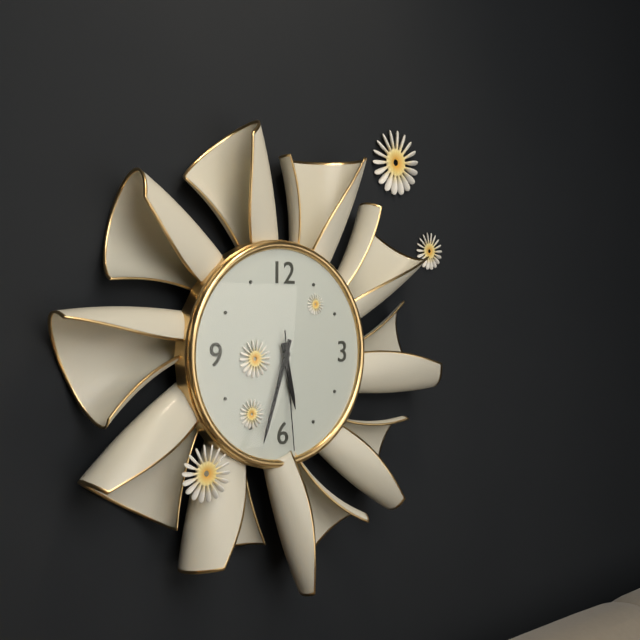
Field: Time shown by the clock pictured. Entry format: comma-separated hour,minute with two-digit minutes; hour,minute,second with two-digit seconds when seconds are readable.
5,33,29
